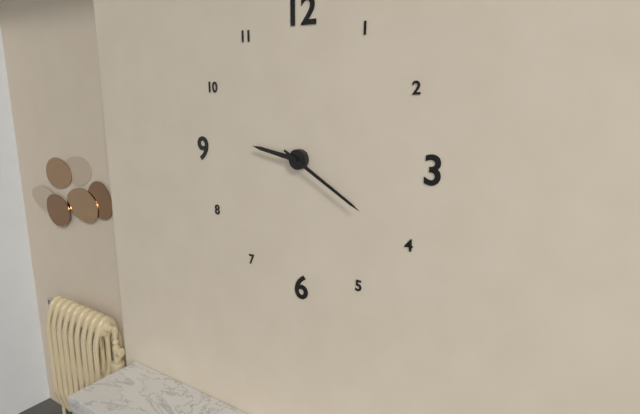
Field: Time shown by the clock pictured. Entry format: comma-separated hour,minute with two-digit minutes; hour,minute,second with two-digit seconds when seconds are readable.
9,20
